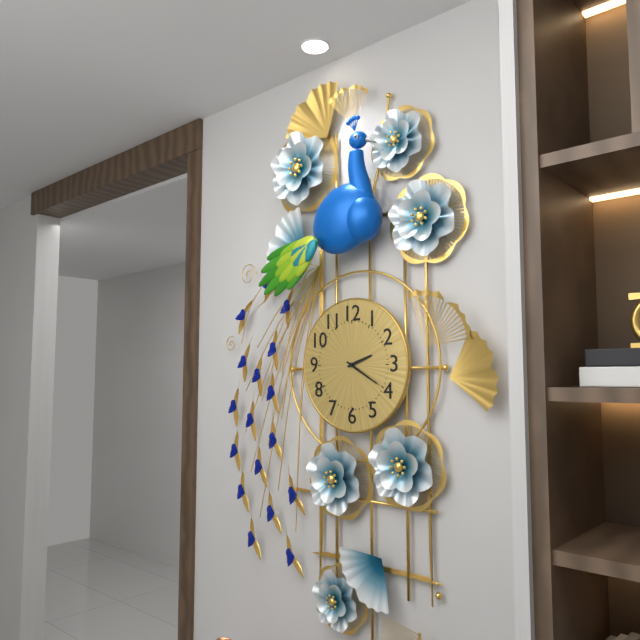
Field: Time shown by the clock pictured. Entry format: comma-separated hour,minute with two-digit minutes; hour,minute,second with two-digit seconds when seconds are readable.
2,20
